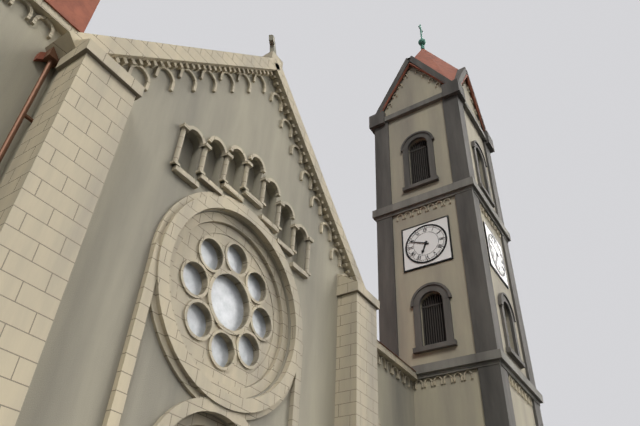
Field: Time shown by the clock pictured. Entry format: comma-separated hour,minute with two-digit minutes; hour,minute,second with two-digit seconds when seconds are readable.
6,49
